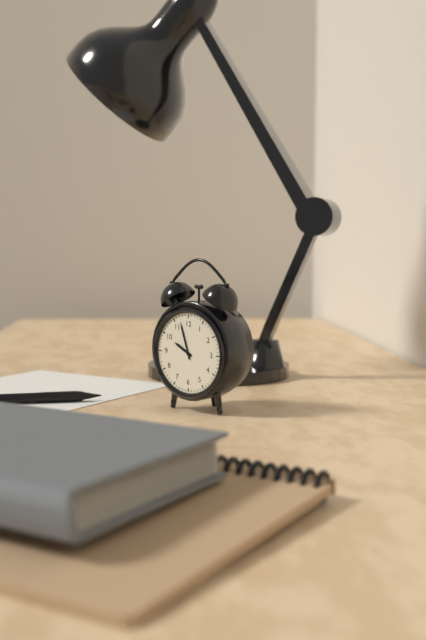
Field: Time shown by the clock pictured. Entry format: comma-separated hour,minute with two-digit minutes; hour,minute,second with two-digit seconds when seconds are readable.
9,57
